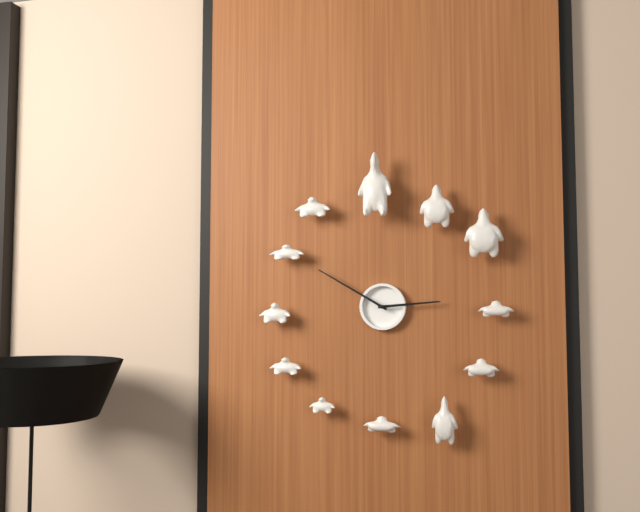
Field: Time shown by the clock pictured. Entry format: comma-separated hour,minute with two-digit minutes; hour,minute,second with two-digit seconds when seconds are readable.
2,50
